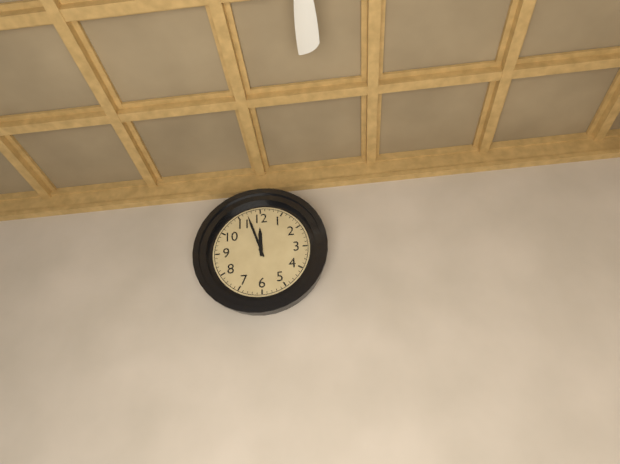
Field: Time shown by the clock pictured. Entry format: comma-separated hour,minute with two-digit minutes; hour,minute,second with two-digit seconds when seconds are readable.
11,57
